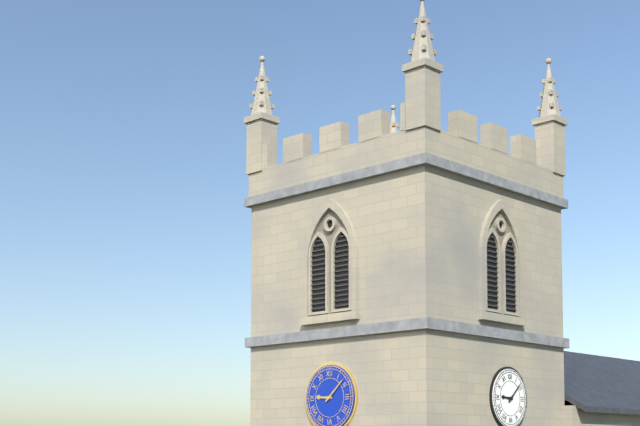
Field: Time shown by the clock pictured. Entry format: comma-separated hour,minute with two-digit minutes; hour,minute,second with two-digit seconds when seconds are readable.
9,08
